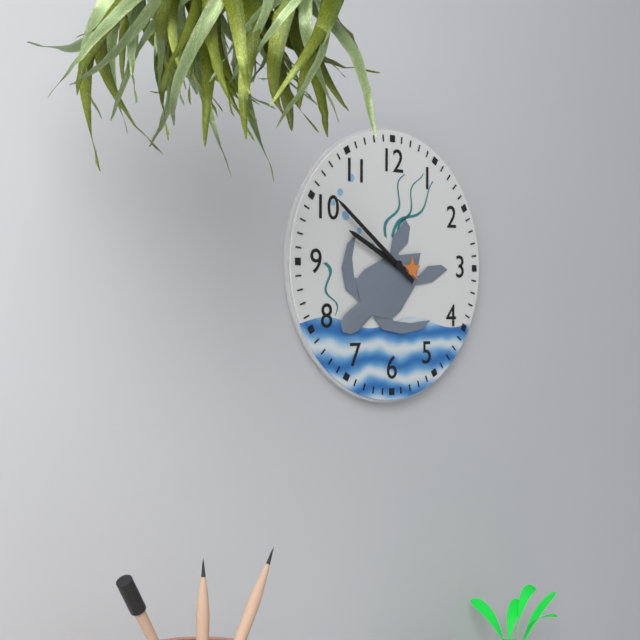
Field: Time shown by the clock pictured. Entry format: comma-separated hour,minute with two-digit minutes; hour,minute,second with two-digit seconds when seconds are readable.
9,51
